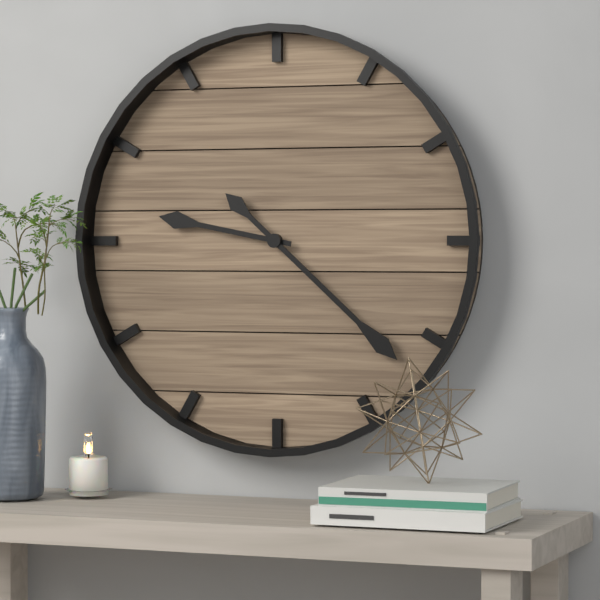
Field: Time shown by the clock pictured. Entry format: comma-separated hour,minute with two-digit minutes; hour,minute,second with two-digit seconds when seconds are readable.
9,22
